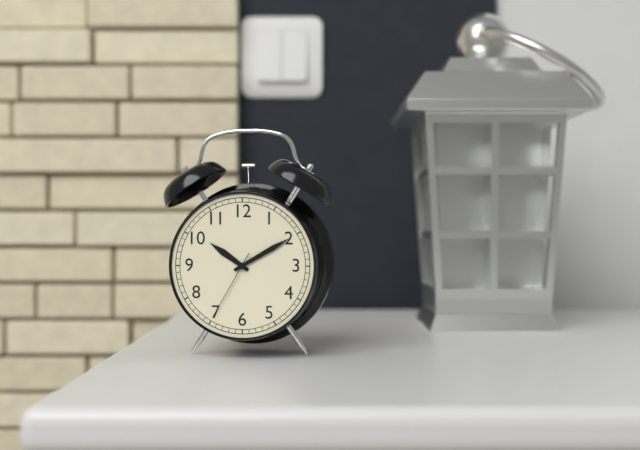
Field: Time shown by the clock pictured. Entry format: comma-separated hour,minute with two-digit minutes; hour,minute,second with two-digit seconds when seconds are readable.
10,10,35
